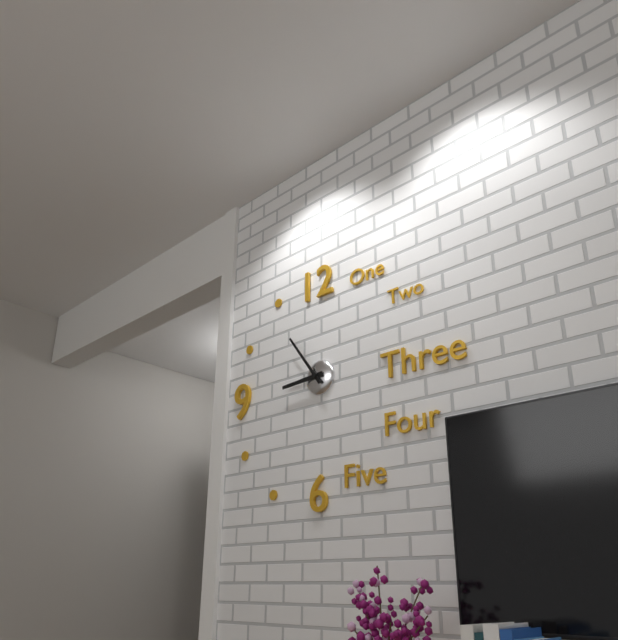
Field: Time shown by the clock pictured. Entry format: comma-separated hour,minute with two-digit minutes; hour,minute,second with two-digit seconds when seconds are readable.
8,54
